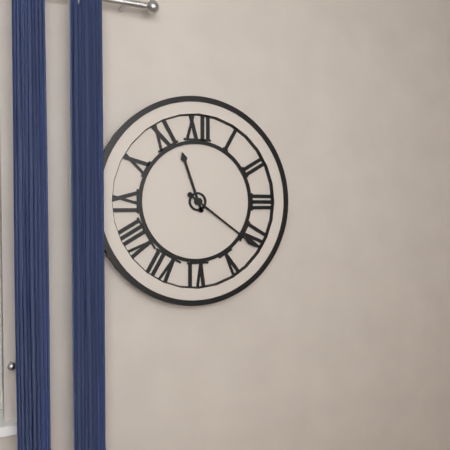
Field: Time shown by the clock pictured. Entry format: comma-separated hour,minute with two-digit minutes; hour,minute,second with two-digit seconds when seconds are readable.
11,21
